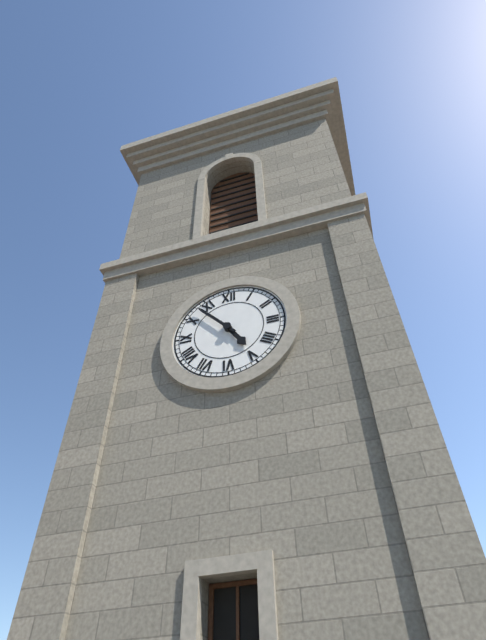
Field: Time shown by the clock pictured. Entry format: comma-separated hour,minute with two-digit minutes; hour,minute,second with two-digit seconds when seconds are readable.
4,53
